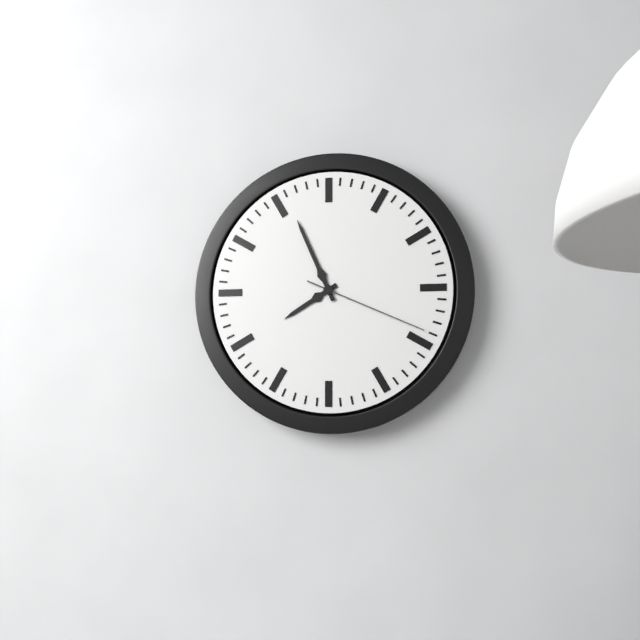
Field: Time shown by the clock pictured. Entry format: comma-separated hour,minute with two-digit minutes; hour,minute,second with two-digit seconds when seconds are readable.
7,56,19
